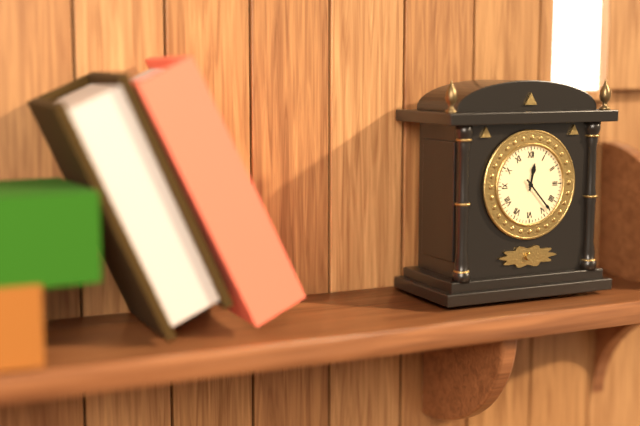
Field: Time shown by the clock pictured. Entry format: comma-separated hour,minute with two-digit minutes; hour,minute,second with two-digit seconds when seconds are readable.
12,23
